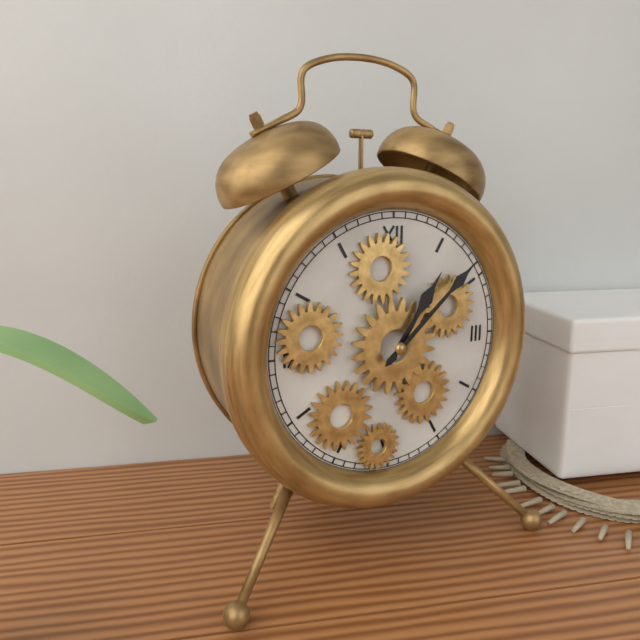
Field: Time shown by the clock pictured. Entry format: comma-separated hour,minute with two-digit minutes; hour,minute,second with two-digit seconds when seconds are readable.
1,08
